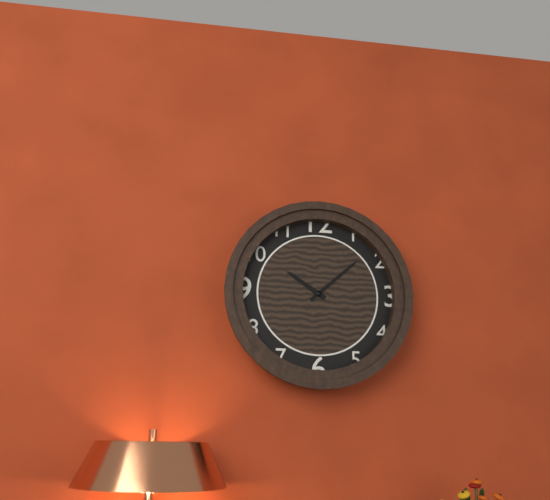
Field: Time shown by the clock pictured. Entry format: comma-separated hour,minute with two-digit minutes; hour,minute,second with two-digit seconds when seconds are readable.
10,08
